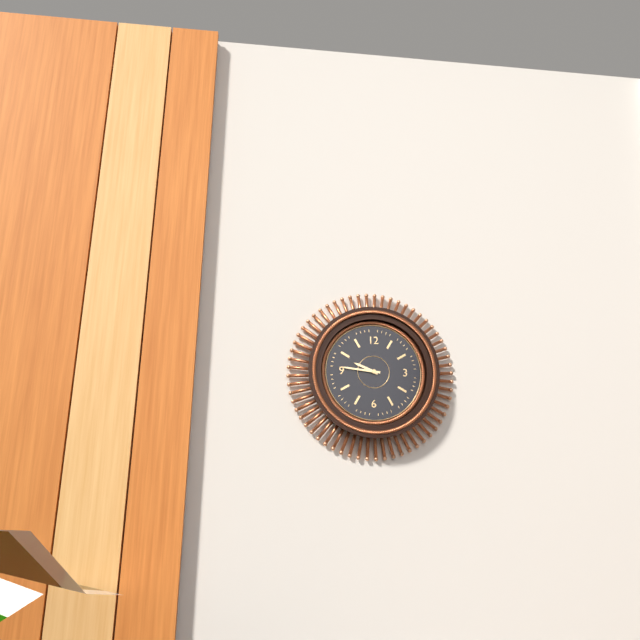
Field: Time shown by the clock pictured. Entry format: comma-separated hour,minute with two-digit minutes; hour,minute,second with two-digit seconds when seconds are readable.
9,46
